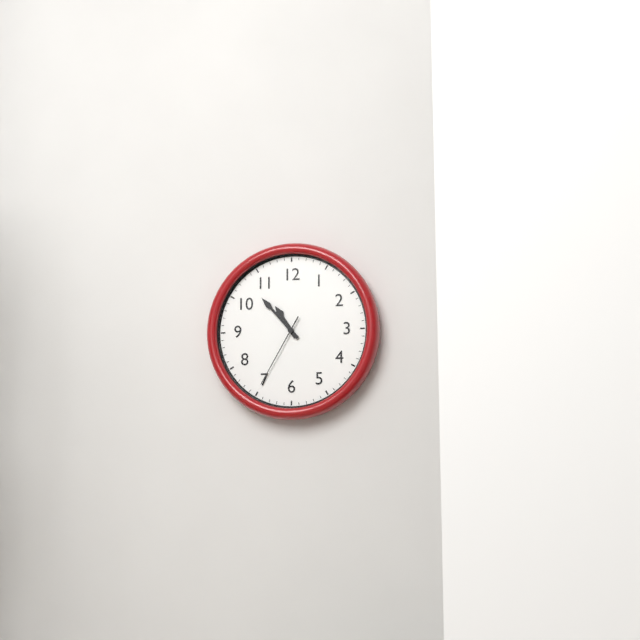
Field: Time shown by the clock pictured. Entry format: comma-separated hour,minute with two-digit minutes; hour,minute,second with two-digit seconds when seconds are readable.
10,53,35
